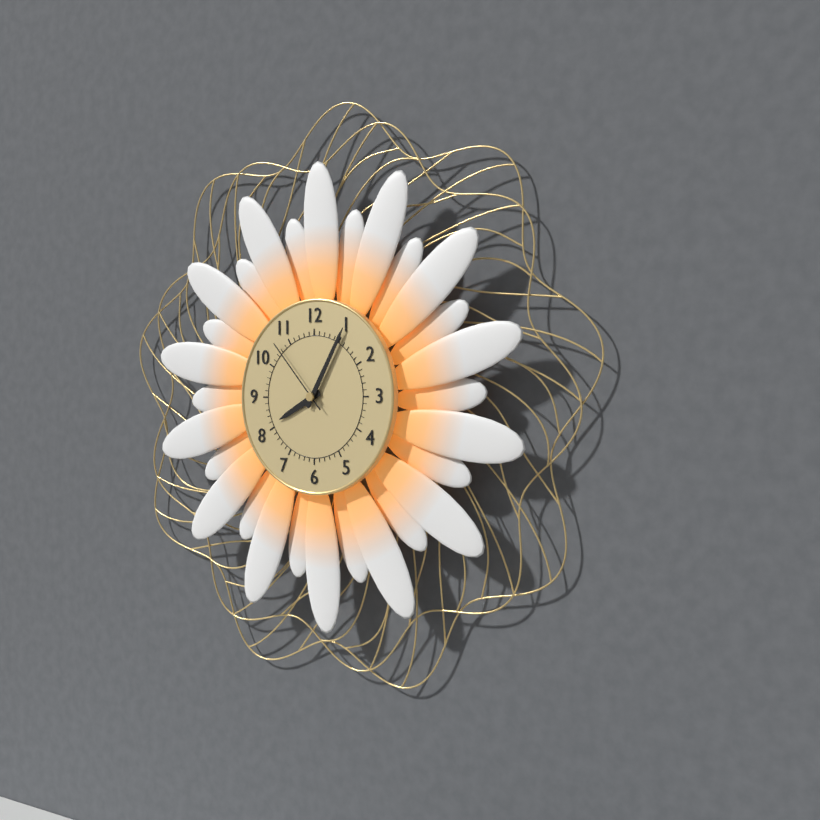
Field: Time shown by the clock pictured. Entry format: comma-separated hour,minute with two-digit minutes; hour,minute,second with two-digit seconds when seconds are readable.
8,05,53
